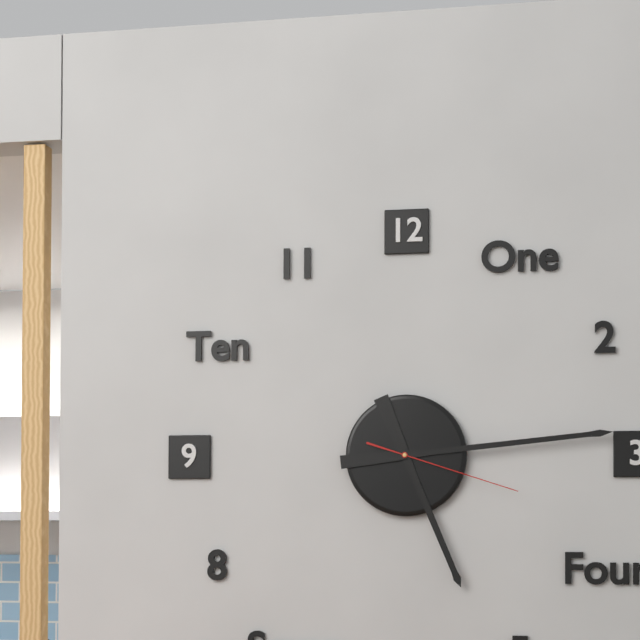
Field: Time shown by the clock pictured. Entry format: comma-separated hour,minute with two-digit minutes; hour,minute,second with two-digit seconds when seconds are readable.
5,14,18
